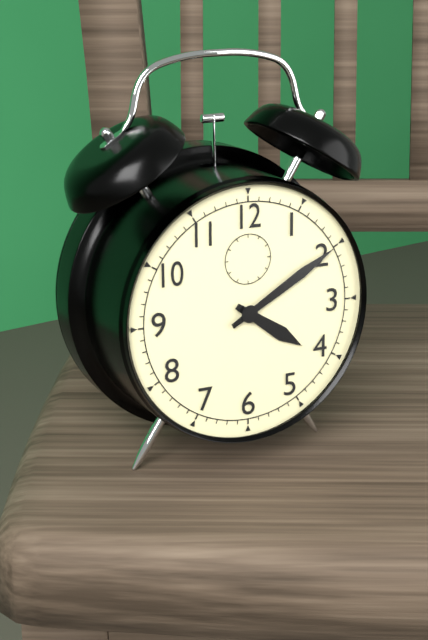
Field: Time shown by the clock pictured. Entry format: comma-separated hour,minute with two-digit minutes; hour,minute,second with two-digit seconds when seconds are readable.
4,10
